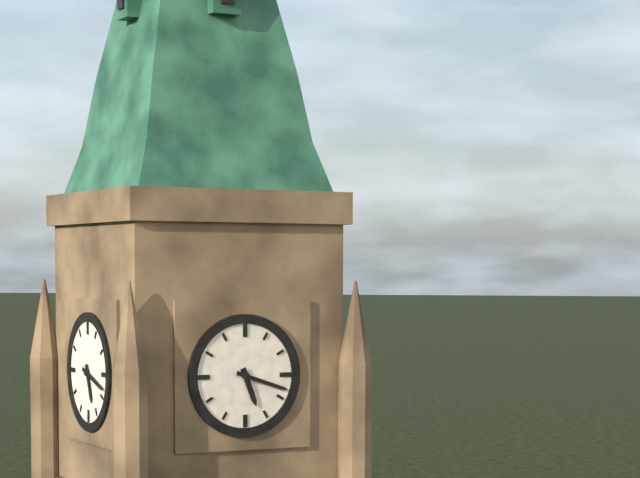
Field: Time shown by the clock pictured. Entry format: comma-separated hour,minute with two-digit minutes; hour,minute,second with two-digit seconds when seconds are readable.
5,18
